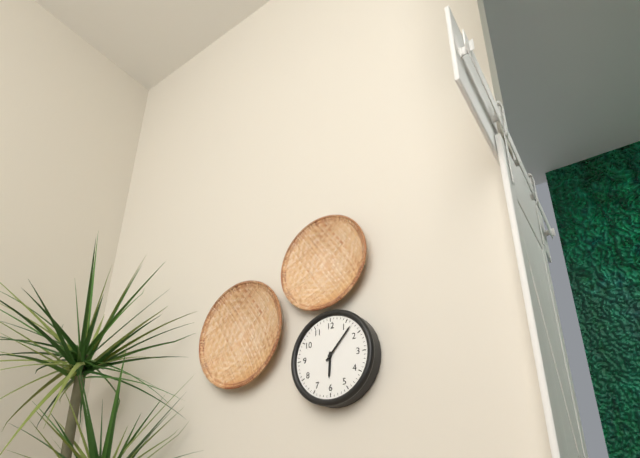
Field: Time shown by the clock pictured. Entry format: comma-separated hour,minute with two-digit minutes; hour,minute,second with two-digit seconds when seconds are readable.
6,07
